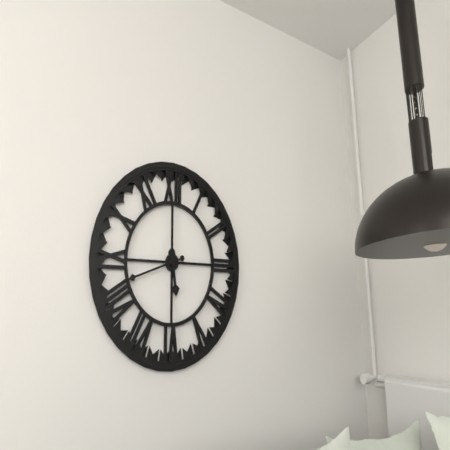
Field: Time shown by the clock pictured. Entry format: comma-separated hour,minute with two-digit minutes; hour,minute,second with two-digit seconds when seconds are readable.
5,42
